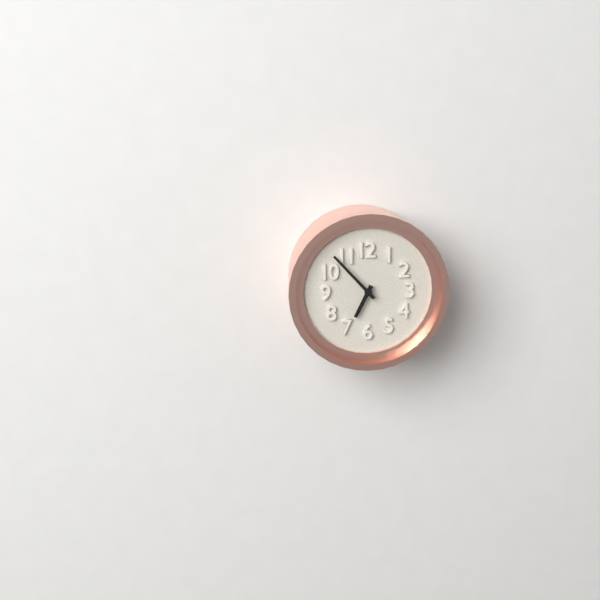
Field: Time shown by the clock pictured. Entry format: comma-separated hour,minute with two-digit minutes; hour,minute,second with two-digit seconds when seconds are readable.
6,53
